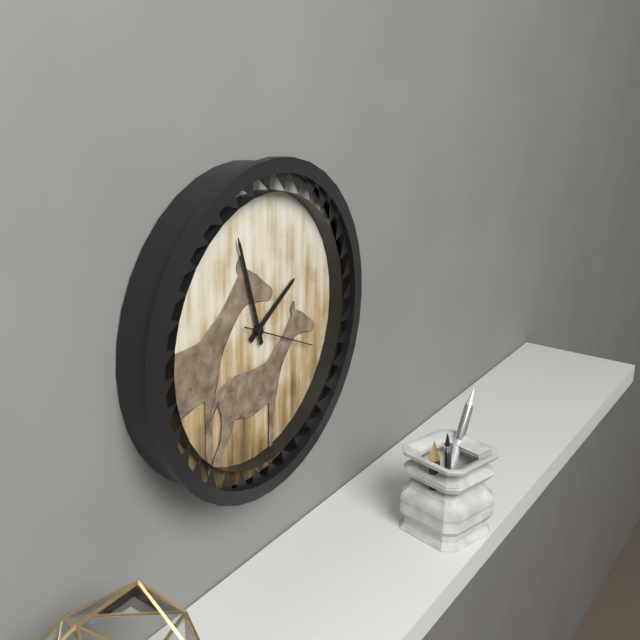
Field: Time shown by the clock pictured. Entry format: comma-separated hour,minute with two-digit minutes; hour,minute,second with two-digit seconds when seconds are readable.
1,57,19
